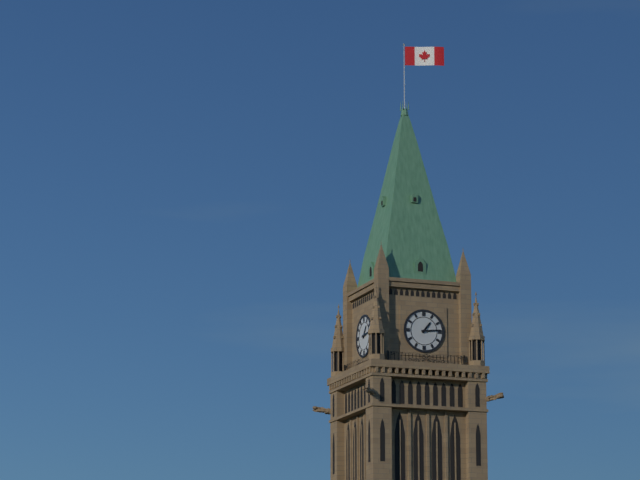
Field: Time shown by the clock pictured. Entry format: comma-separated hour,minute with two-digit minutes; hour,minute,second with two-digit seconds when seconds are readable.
1,14
